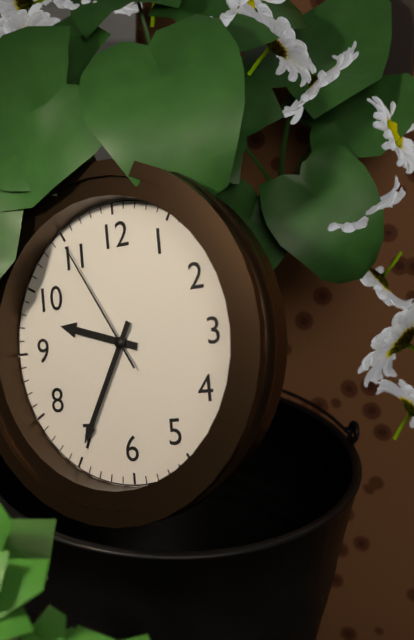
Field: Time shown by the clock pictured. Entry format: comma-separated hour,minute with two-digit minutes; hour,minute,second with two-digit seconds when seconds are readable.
9,35,55
